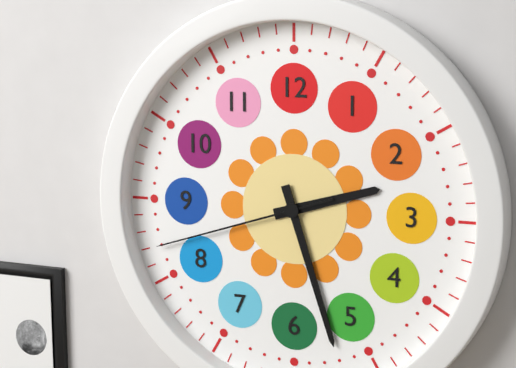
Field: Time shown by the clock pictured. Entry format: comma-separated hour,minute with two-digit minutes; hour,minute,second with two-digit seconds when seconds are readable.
2,27,42
